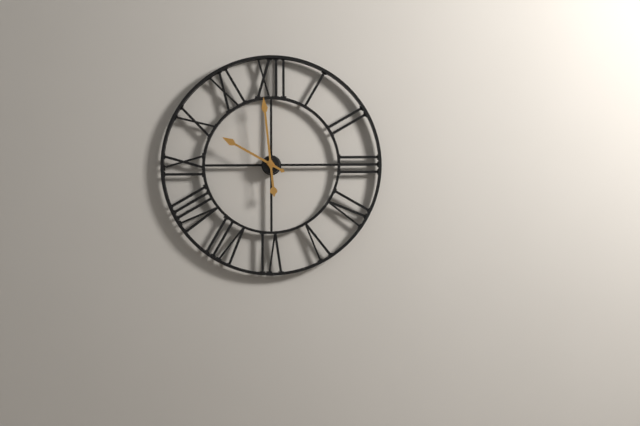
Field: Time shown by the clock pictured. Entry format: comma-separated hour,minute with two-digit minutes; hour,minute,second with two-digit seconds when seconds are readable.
9,59
